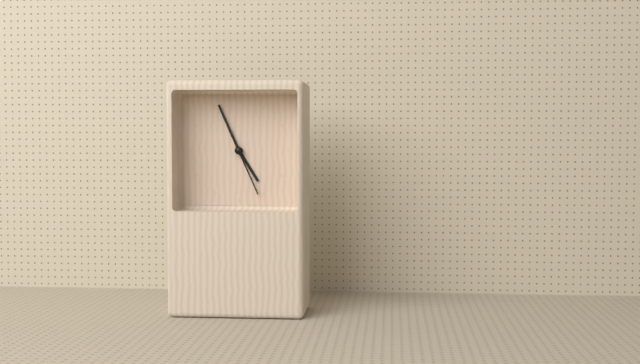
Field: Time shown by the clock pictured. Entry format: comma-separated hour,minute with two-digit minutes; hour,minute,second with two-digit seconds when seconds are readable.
4,56,26
